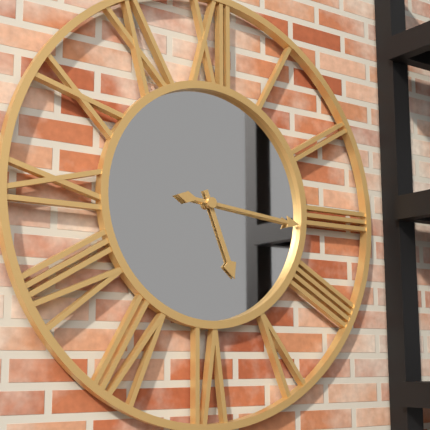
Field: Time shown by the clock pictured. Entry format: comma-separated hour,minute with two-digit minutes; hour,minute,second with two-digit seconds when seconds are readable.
5,16
